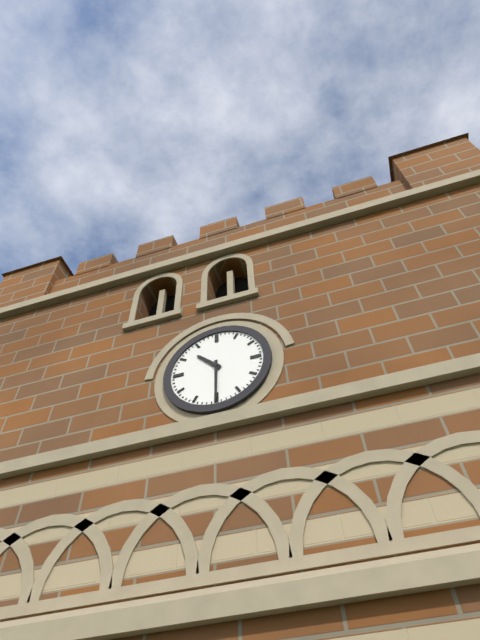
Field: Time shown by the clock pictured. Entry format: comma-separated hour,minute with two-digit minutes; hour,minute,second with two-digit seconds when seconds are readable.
10,30
